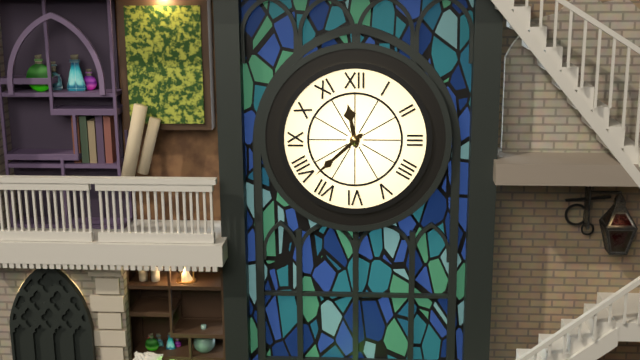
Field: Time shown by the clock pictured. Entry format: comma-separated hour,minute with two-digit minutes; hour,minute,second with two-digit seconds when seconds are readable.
11,38
